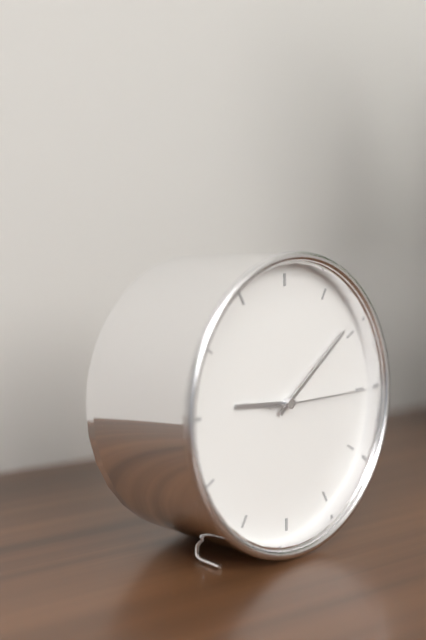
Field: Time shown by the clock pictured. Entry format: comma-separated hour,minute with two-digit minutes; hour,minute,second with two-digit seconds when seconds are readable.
9,09,15
